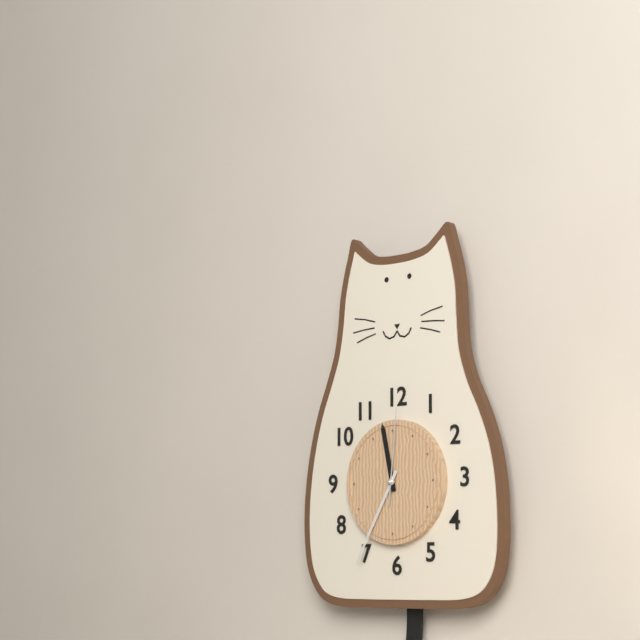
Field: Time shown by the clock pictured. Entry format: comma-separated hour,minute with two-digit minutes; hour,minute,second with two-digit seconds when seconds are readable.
11,35,01
